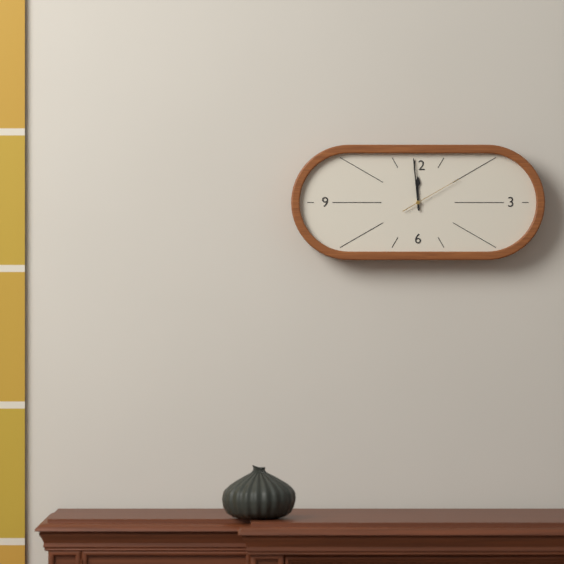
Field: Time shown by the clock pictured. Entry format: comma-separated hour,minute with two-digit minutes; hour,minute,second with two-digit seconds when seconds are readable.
11,59,10
